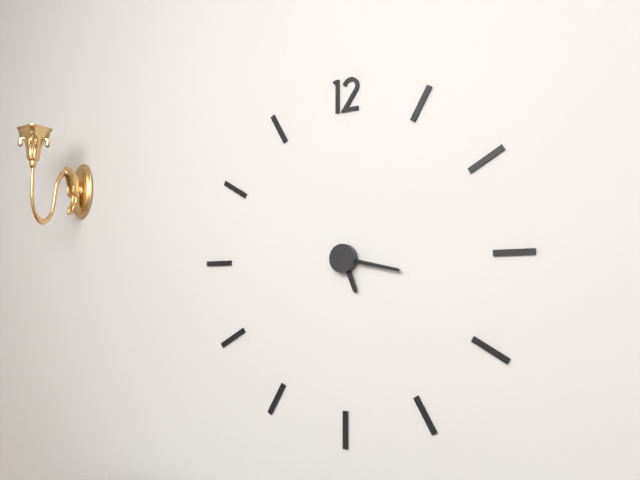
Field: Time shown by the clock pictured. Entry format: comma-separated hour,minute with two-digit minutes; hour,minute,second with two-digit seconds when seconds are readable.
5,17
